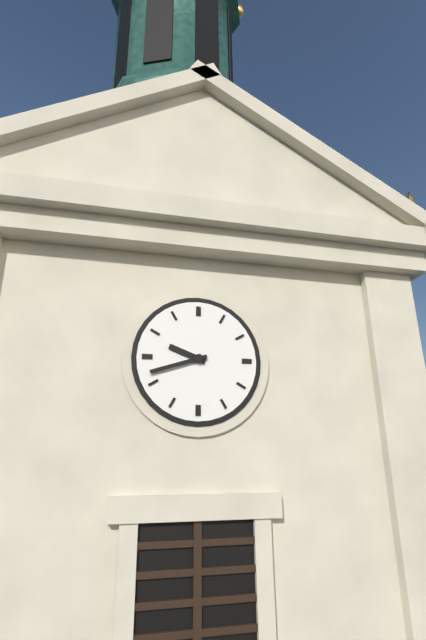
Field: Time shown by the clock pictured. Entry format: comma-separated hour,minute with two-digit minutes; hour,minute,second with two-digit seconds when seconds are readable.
9,42
